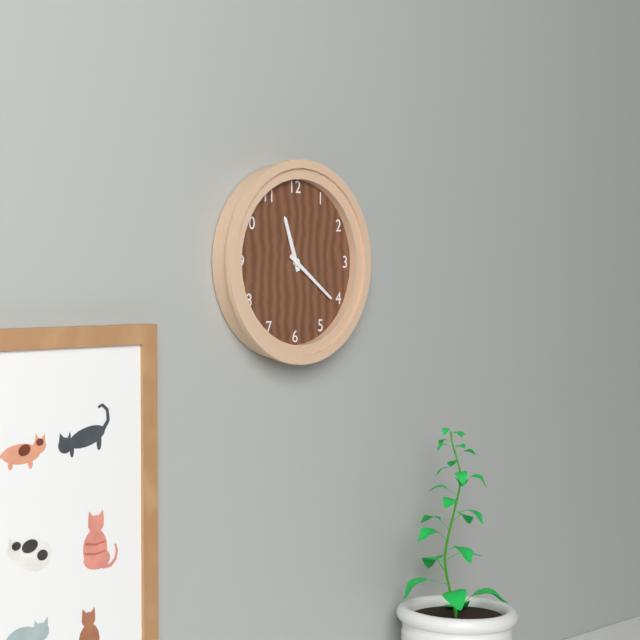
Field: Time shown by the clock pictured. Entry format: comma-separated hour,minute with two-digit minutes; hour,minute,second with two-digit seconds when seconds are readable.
11,21
